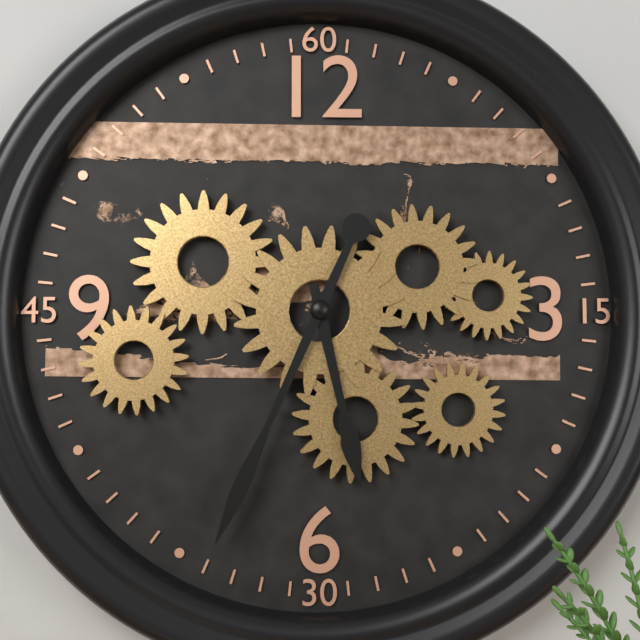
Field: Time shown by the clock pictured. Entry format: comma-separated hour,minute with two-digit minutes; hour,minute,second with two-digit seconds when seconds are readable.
5,34
